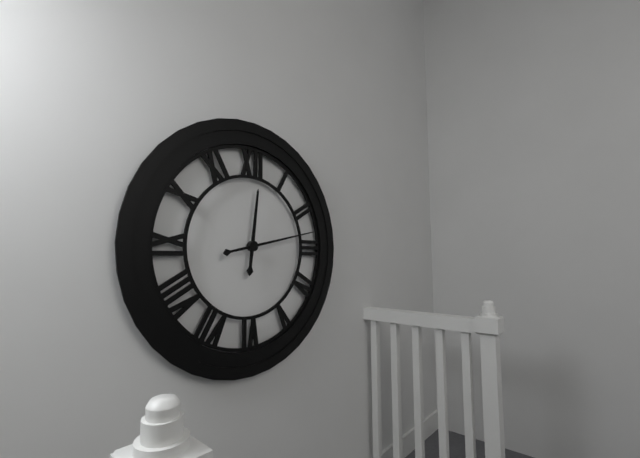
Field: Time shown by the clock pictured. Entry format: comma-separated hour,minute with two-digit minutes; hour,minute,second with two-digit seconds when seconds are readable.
12,13
